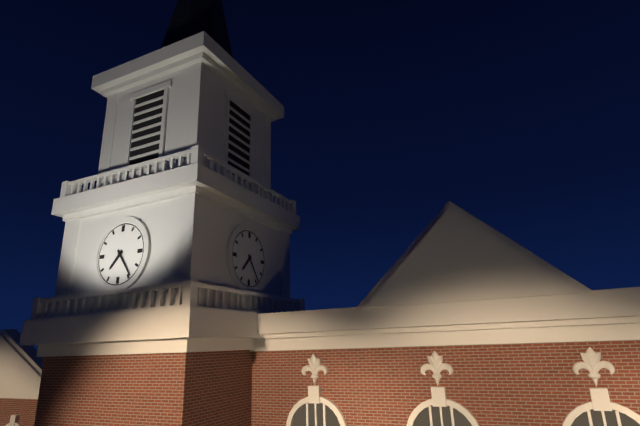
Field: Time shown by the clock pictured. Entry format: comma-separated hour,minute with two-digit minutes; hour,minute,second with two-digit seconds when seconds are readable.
7,24
